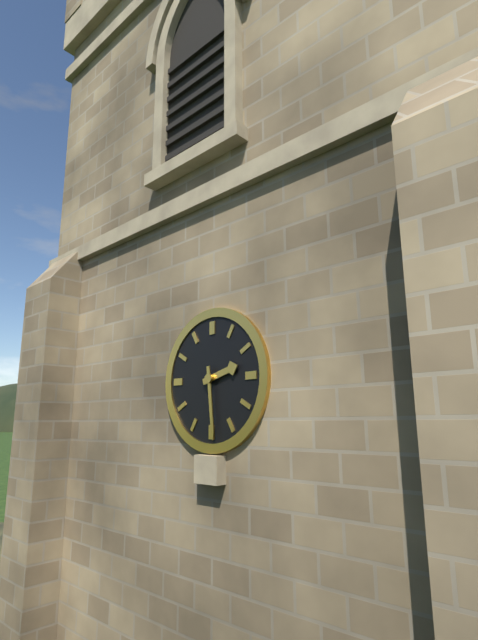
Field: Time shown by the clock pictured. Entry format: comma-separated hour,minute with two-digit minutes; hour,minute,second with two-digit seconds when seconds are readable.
2,29
